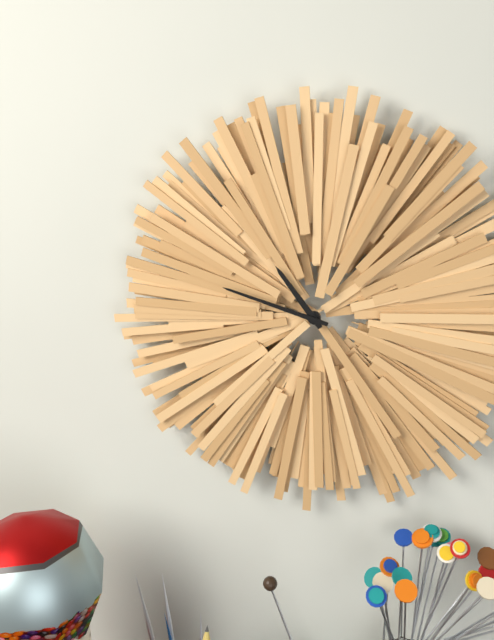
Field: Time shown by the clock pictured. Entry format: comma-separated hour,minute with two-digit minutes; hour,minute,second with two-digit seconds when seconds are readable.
10,48
